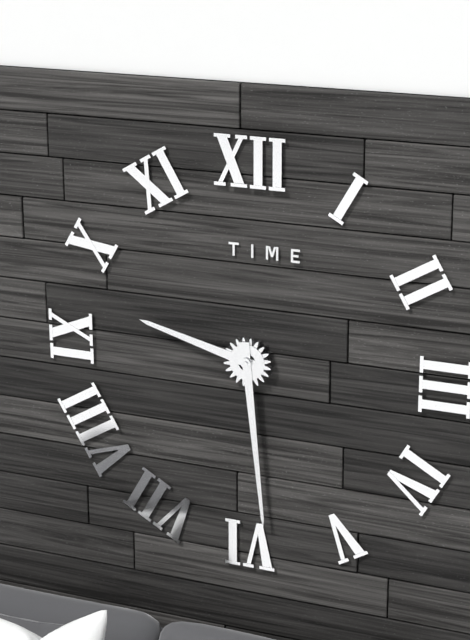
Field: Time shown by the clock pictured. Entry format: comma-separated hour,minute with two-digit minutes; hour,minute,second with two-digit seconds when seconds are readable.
9,29
